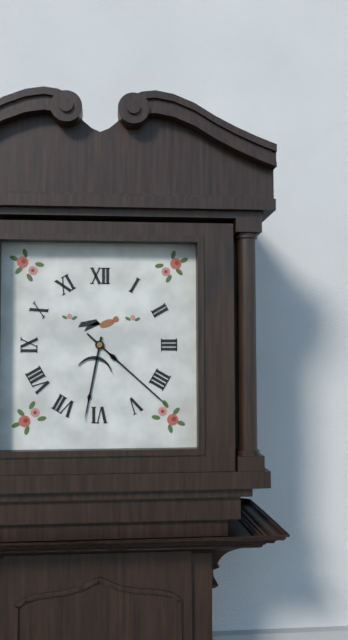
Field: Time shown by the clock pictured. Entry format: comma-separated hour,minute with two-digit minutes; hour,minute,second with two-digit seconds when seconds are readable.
6,22
